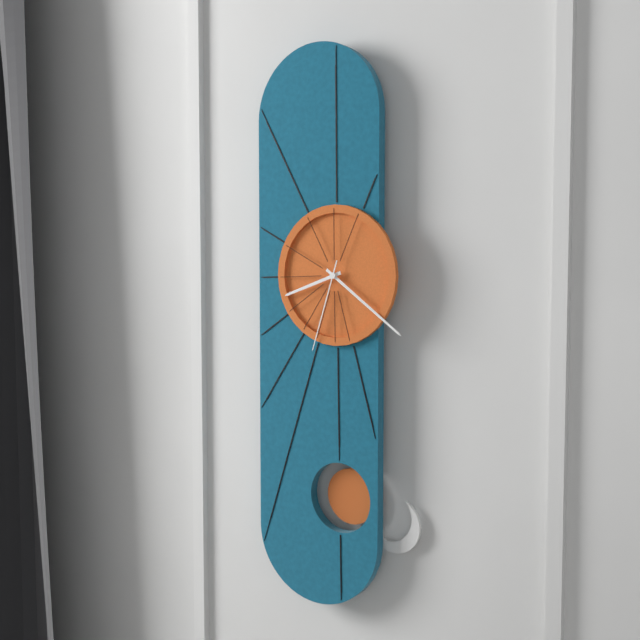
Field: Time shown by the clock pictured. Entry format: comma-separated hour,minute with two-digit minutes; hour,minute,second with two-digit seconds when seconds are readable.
8,21,33
